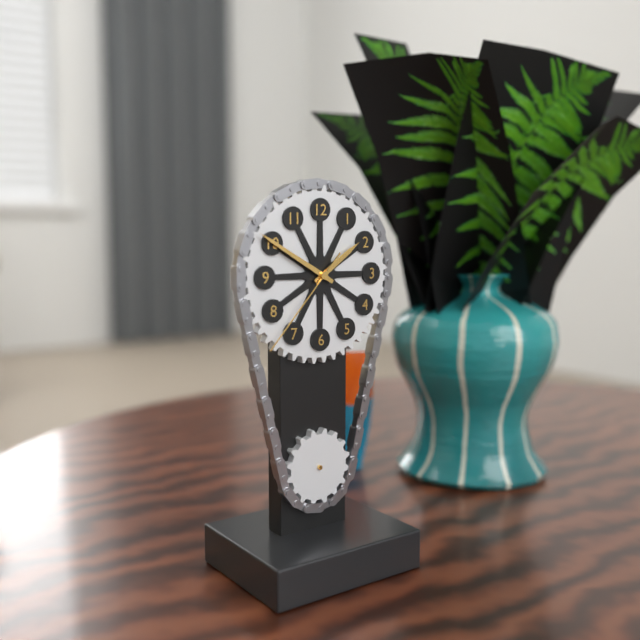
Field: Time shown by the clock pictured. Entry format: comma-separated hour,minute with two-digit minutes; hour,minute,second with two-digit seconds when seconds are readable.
1,50,37
